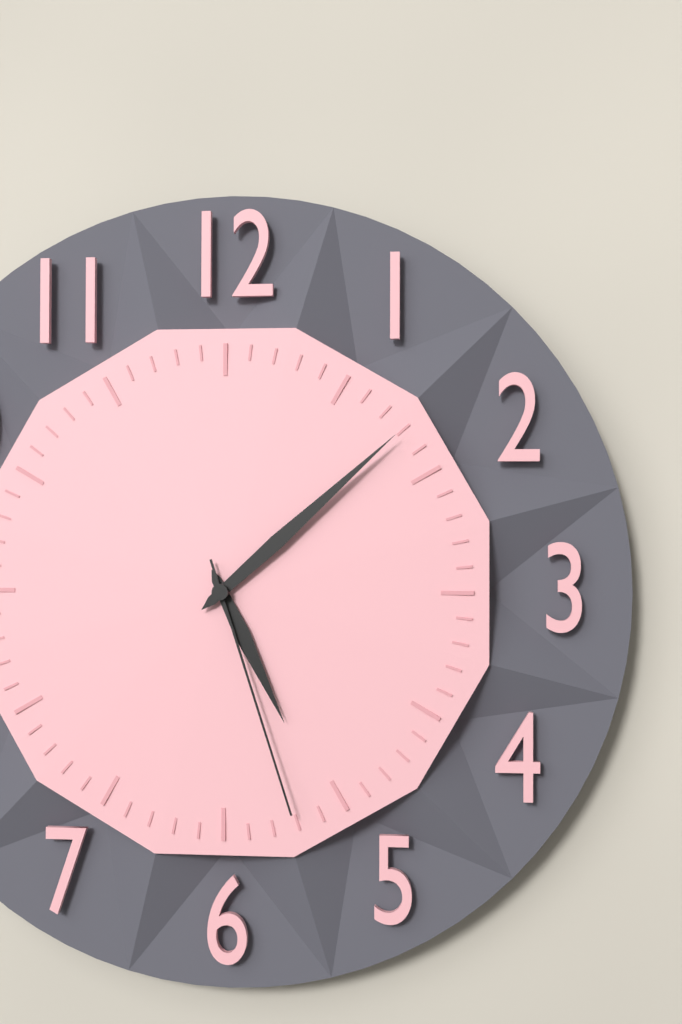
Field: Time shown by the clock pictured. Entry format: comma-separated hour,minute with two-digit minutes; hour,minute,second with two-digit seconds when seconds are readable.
5,08,27
